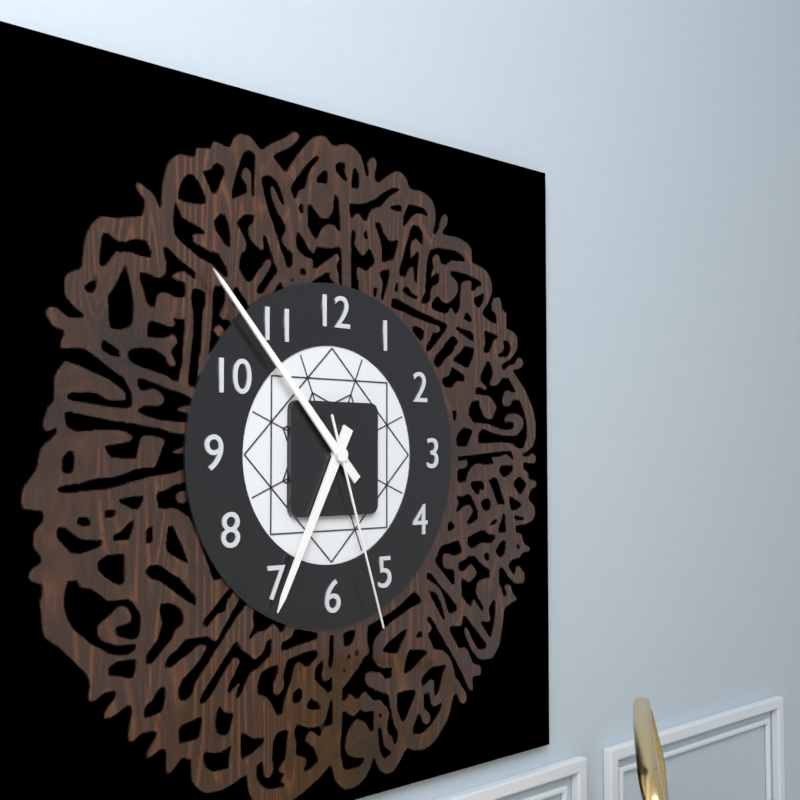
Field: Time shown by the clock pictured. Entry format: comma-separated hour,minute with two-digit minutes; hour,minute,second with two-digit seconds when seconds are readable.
6,53,27
